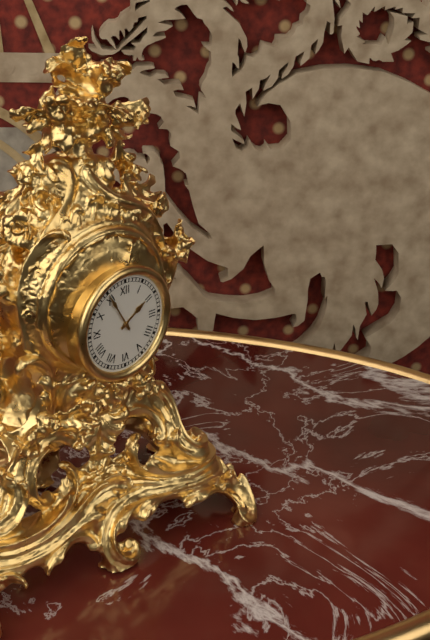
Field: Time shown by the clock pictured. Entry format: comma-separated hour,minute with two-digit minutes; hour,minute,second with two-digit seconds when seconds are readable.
1,55
